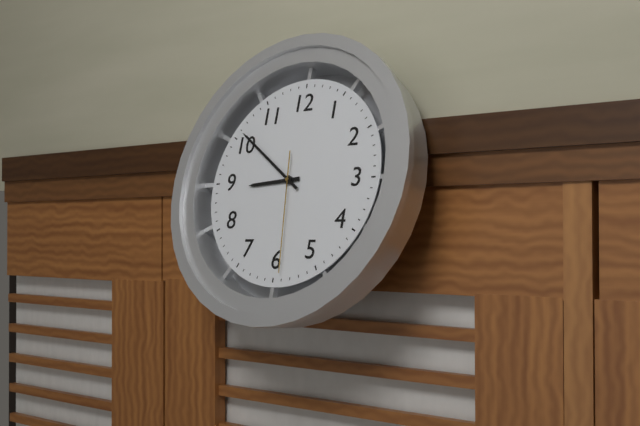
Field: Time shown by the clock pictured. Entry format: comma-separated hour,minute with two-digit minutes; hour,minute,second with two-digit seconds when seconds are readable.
8,51,29
